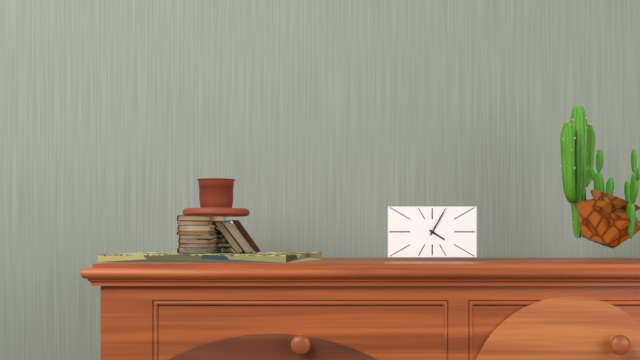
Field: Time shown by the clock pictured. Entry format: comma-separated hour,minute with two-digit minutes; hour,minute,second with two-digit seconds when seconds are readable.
4,05
